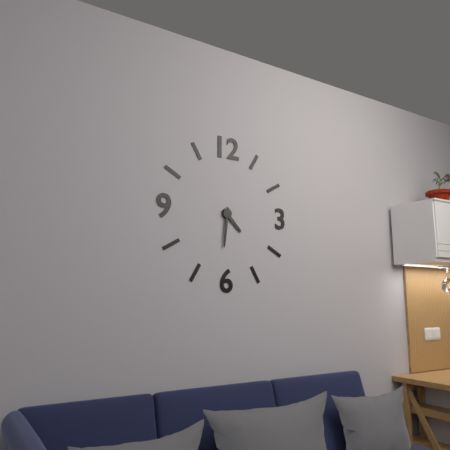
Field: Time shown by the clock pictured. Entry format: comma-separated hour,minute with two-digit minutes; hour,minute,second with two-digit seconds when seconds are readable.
4,31
